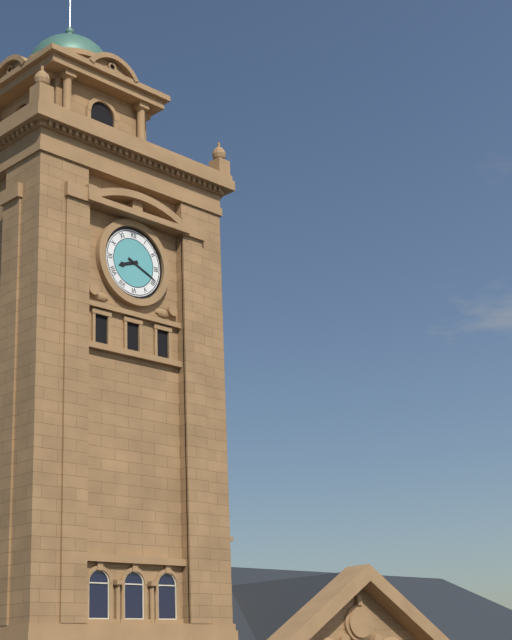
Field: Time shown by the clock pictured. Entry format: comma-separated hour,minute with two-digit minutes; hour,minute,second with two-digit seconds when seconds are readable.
8,19
